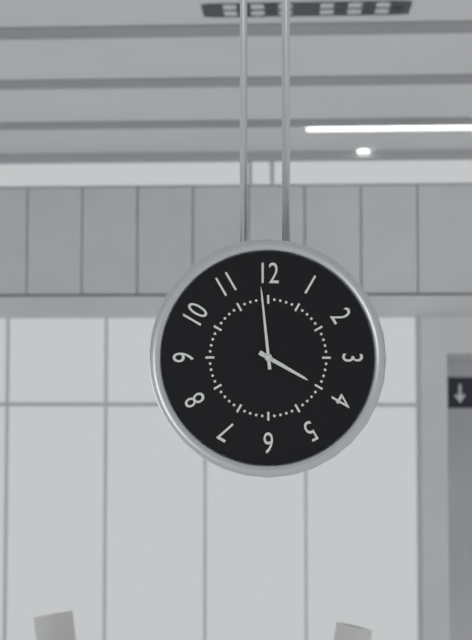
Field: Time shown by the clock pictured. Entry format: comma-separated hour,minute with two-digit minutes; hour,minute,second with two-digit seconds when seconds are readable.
3,59
